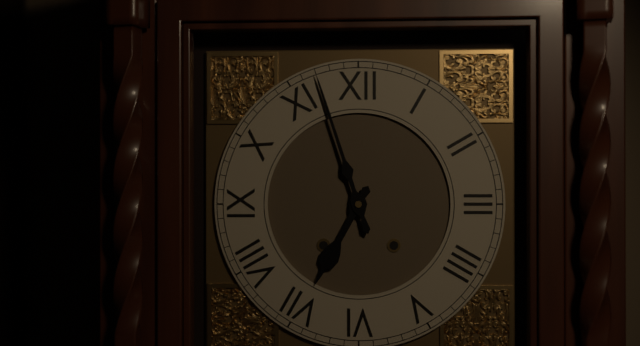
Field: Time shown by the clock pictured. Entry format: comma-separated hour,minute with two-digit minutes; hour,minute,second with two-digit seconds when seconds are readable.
6,57
